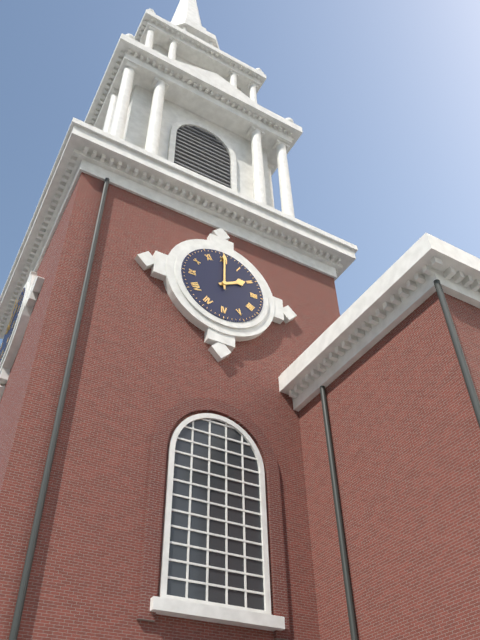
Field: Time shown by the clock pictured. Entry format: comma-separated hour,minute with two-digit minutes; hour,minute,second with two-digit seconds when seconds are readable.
2,00
